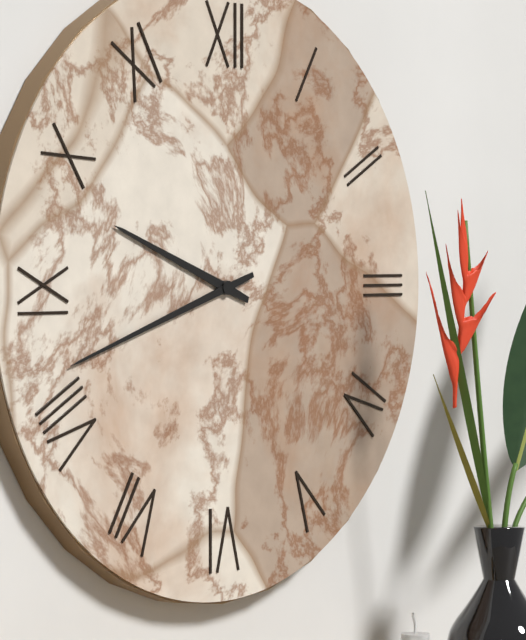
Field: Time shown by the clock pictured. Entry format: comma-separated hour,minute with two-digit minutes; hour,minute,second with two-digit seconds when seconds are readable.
9,42
